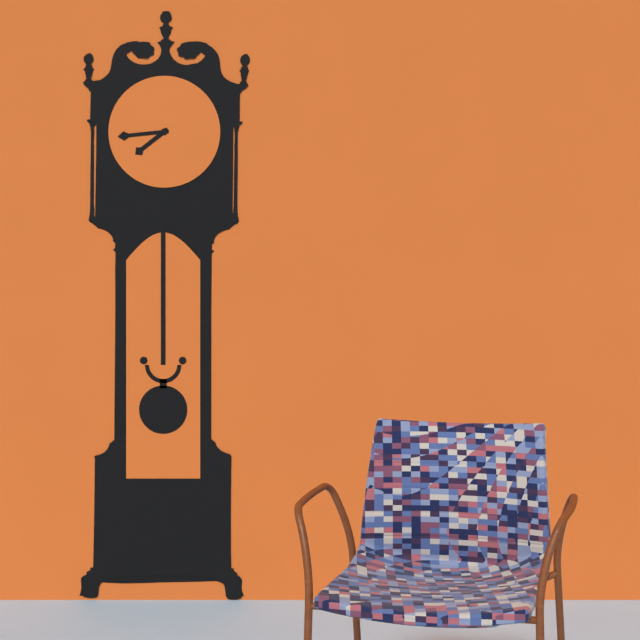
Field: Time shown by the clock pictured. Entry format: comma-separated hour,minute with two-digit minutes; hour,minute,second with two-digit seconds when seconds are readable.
7,44
